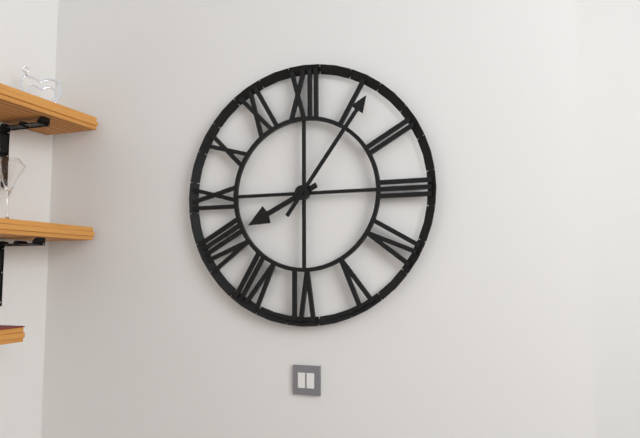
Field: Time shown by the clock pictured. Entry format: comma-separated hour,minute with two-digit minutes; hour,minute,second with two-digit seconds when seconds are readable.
8,06
